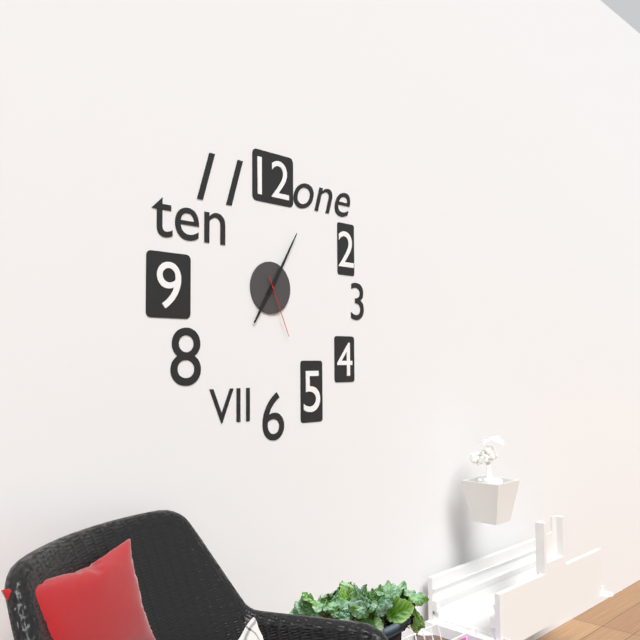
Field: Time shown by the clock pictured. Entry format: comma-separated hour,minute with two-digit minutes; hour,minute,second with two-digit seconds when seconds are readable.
7,05,26
